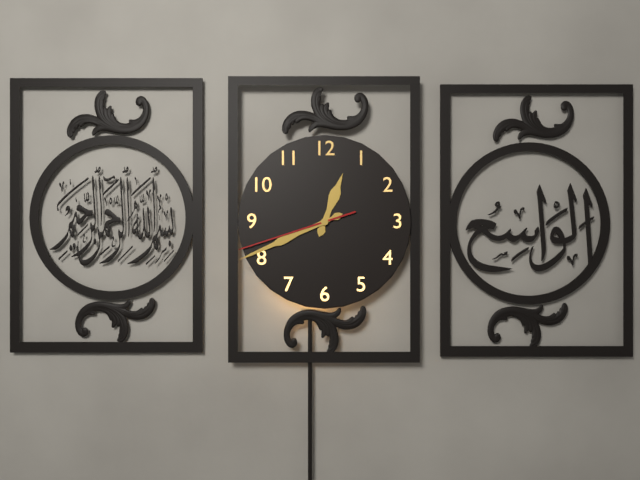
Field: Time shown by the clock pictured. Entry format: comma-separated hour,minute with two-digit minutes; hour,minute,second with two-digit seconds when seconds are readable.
12,41,42
